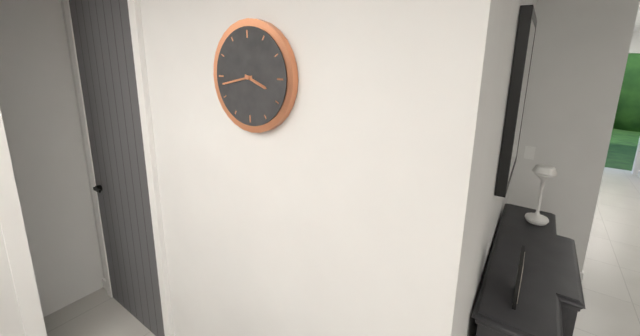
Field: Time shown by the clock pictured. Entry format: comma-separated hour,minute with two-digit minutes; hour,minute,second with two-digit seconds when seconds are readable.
3,43
